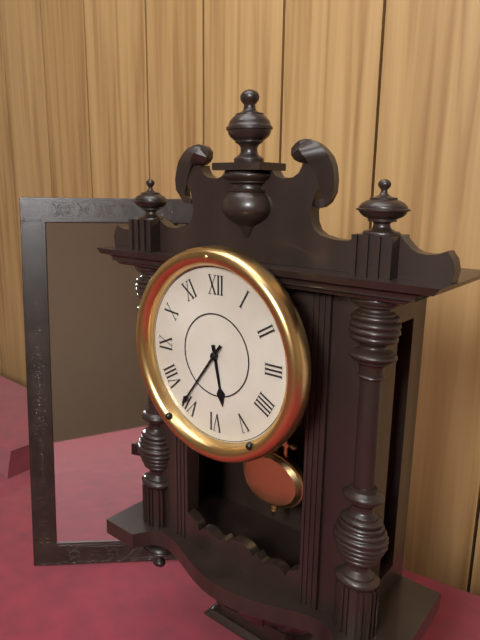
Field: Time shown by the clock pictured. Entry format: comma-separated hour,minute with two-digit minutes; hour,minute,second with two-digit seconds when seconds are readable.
5,36
